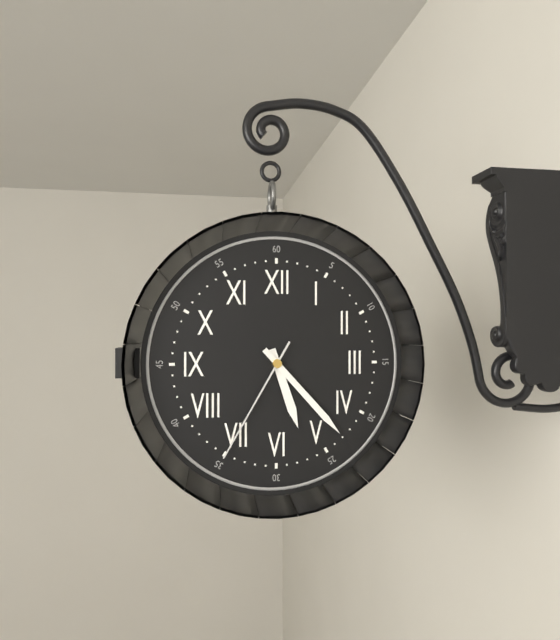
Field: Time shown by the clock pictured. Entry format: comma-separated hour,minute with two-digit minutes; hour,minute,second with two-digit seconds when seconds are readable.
5,23,35
